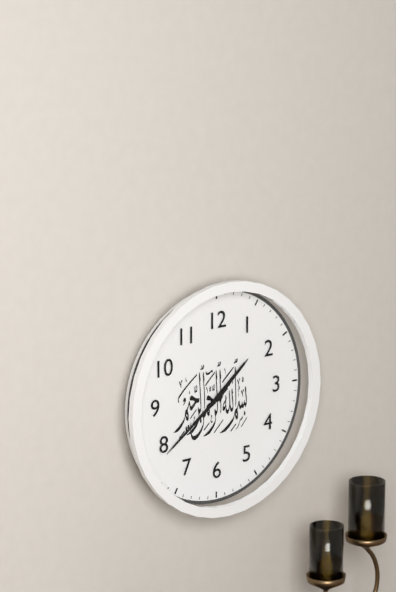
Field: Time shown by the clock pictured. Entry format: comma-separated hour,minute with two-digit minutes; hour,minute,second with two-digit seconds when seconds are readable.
1,39
